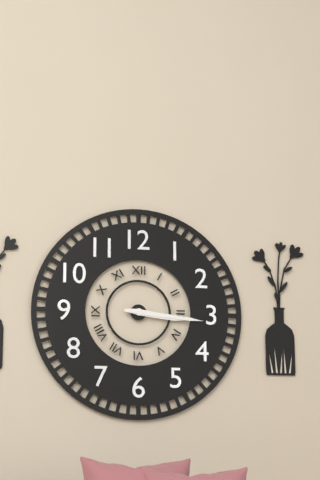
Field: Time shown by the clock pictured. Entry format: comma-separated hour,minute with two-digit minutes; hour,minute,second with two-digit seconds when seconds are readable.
3,16
